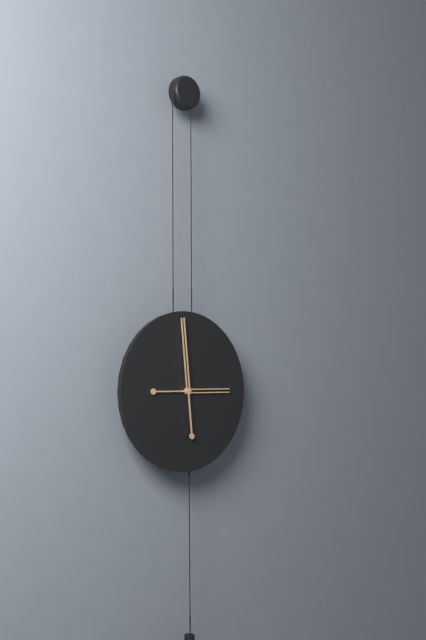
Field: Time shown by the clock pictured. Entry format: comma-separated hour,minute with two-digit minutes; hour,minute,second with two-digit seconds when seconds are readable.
2,59
